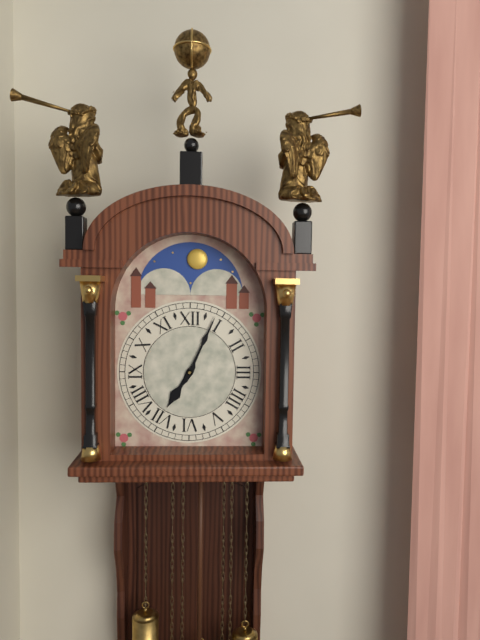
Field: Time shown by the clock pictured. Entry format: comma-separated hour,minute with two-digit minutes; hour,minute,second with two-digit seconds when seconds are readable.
7,04
